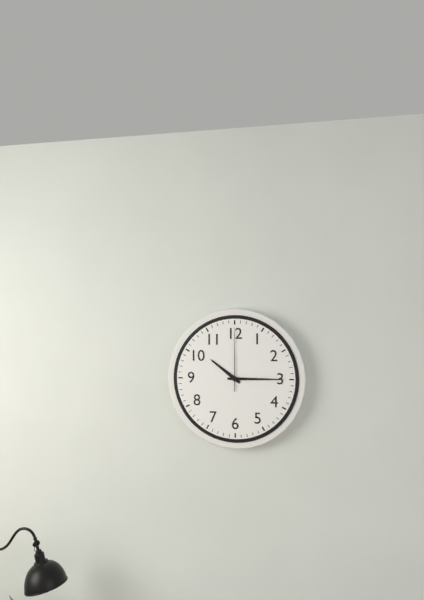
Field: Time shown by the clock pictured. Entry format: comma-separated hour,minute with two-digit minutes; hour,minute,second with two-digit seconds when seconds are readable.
10,15,00
